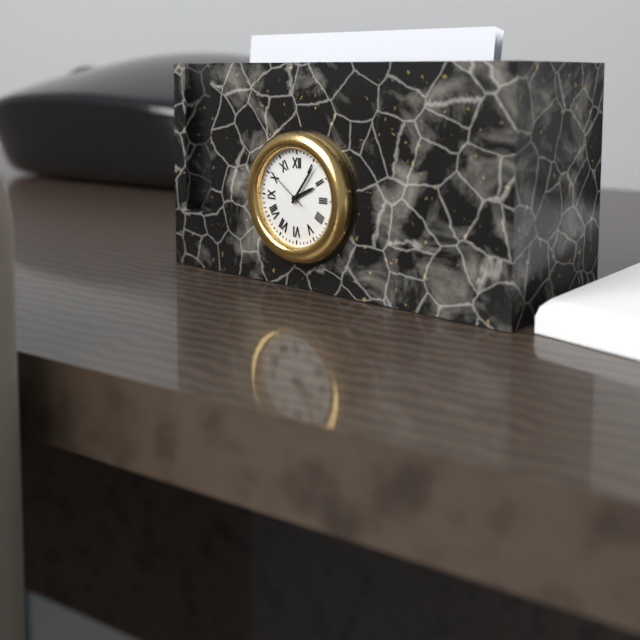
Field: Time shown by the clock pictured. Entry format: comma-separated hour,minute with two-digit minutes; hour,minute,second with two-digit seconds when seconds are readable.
2,06,51
